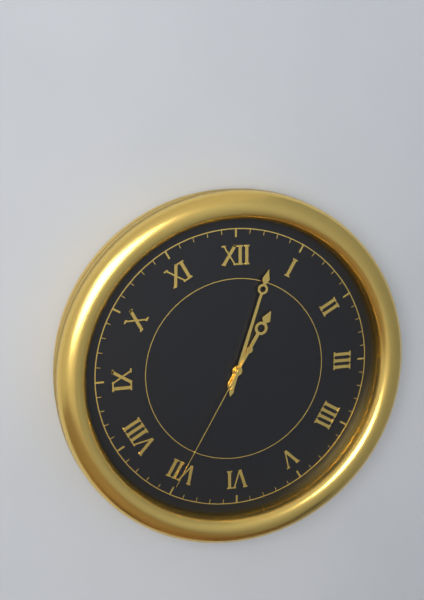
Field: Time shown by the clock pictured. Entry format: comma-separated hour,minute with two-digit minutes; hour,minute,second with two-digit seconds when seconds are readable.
1,03,35
